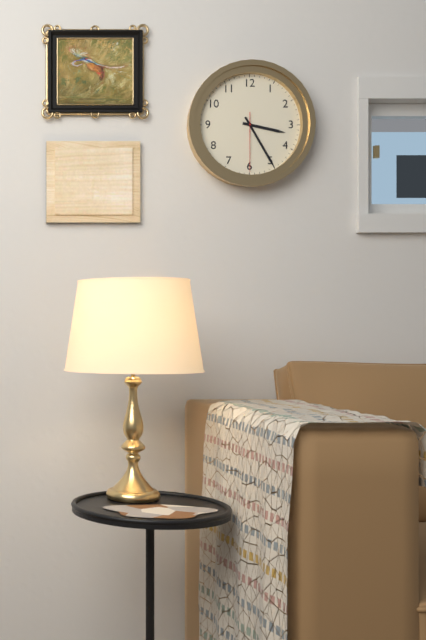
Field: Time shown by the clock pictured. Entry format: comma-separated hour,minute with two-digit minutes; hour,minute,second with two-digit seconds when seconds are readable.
3,25,30
